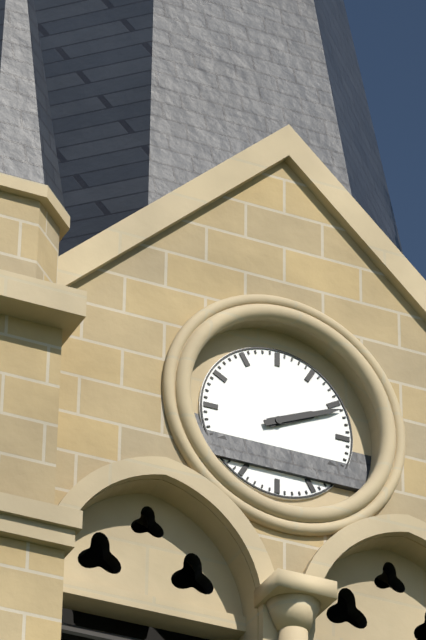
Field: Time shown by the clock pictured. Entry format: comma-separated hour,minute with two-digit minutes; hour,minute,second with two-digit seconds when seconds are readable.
2,11
